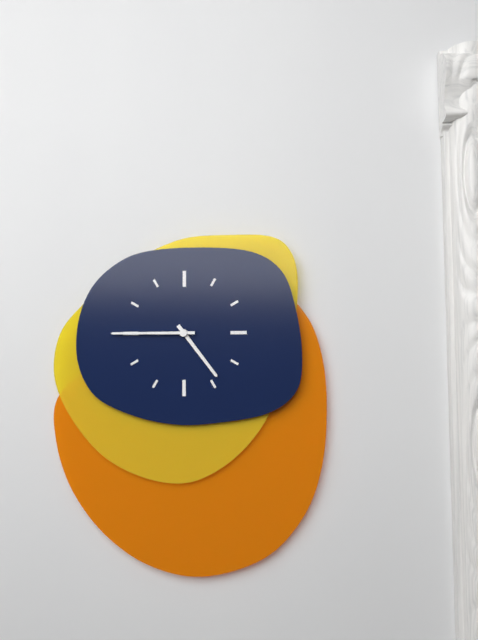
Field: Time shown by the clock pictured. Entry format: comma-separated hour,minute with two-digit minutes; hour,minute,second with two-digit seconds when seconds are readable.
4,45
